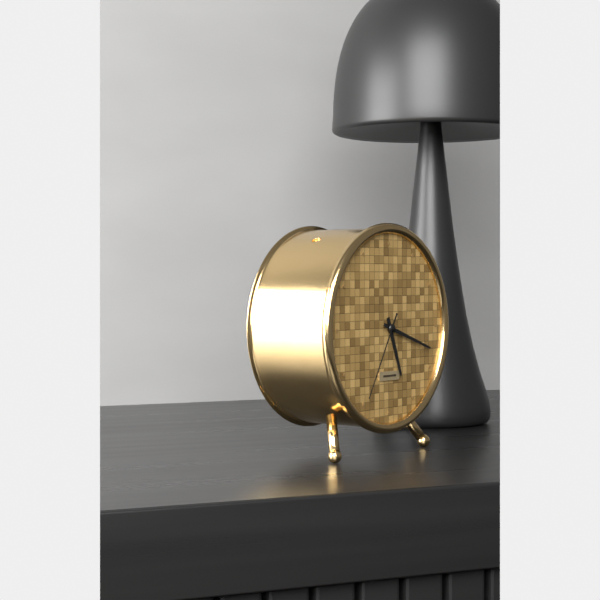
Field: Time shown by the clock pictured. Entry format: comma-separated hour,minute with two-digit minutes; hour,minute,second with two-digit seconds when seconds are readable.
5,18,35
